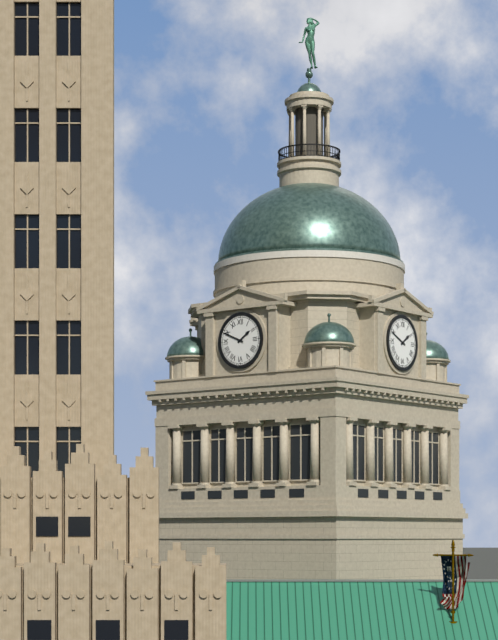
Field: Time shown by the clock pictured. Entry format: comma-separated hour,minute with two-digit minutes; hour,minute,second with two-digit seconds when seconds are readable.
1,49
